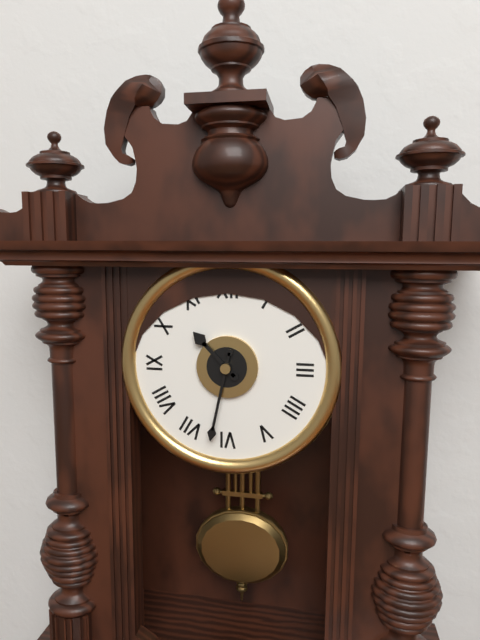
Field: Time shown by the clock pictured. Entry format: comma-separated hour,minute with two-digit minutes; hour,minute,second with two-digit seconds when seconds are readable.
10,32
